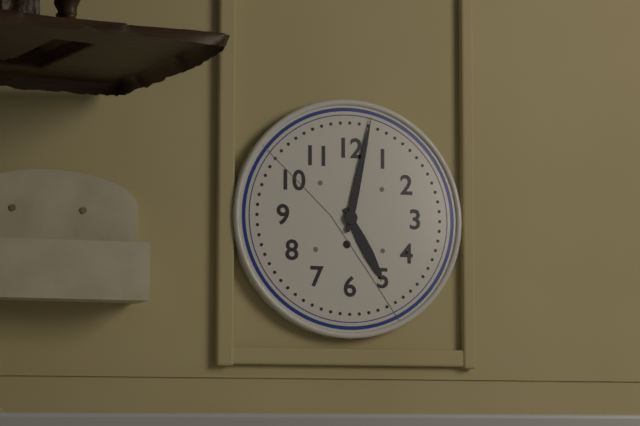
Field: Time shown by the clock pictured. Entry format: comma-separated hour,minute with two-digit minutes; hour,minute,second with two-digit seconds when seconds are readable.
5,02
